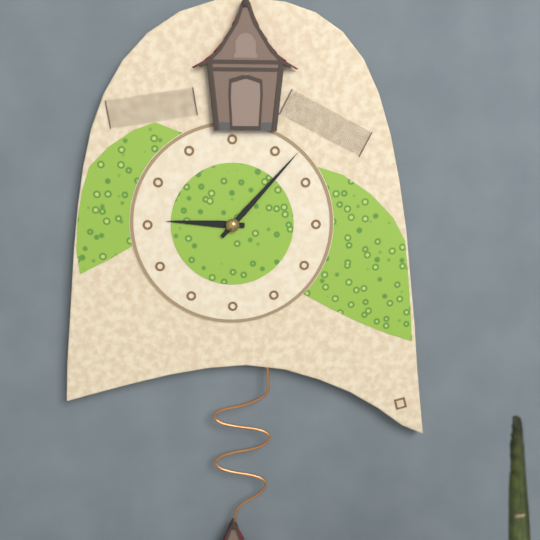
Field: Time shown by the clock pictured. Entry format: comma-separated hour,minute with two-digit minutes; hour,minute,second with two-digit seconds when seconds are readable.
9,07
